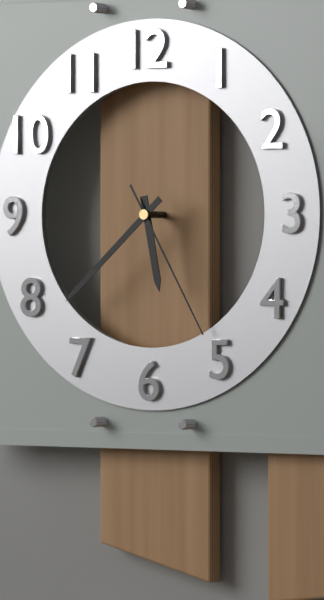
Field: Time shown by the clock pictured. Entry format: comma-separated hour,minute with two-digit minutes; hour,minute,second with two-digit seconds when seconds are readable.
5,38,25
